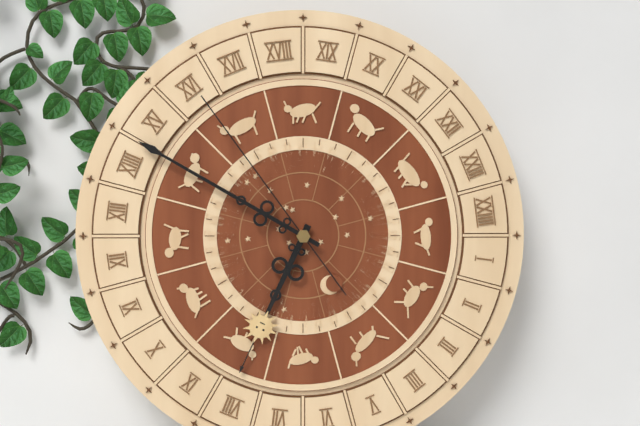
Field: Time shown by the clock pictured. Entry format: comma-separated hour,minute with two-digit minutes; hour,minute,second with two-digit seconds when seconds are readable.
6,50,54
